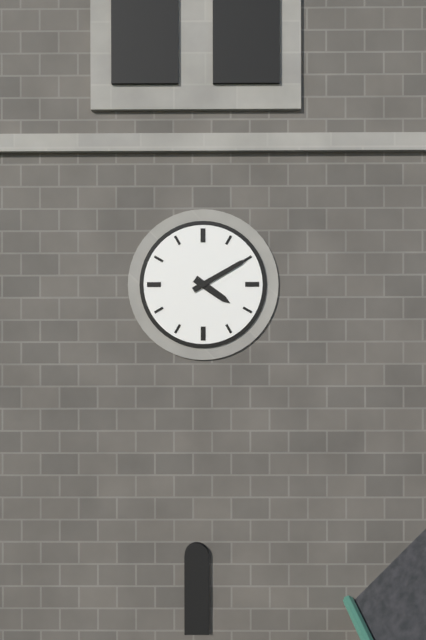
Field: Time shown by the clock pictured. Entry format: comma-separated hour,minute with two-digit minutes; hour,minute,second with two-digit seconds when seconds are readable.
4,10
